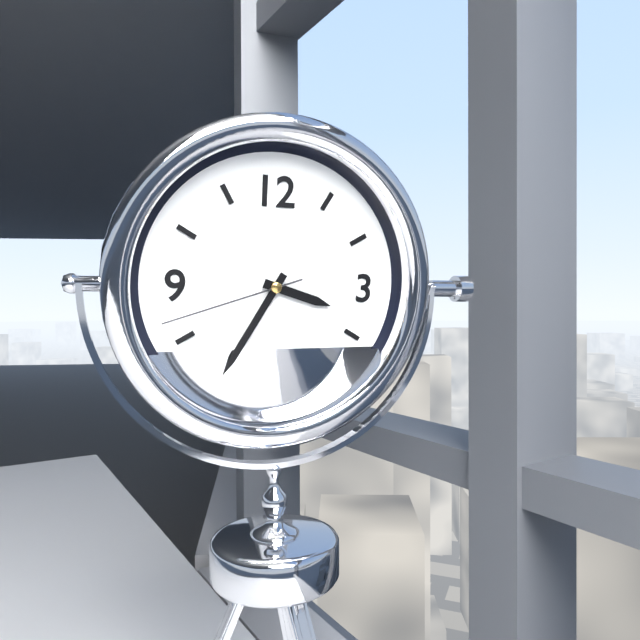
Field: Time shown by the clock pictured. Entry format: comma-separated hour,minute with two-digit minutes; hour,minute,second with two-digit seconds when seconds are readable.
3,35,42
